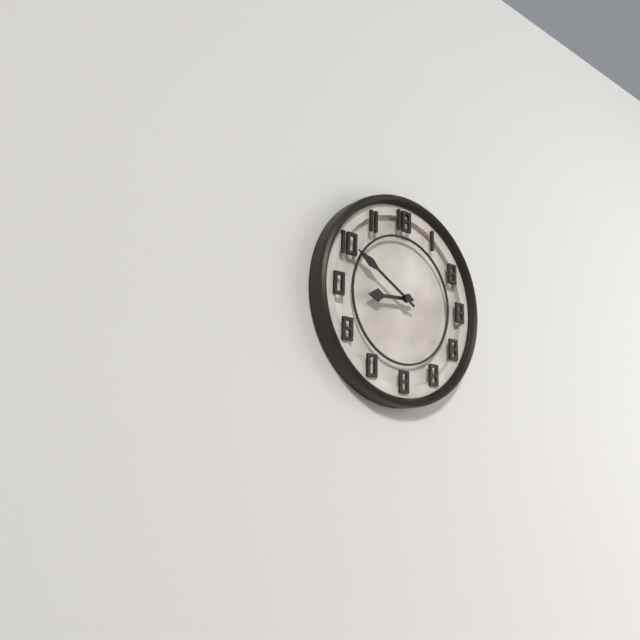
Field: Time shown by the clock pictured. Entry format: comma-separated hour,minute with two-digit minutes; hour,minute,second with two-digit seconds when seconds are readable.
8,50
